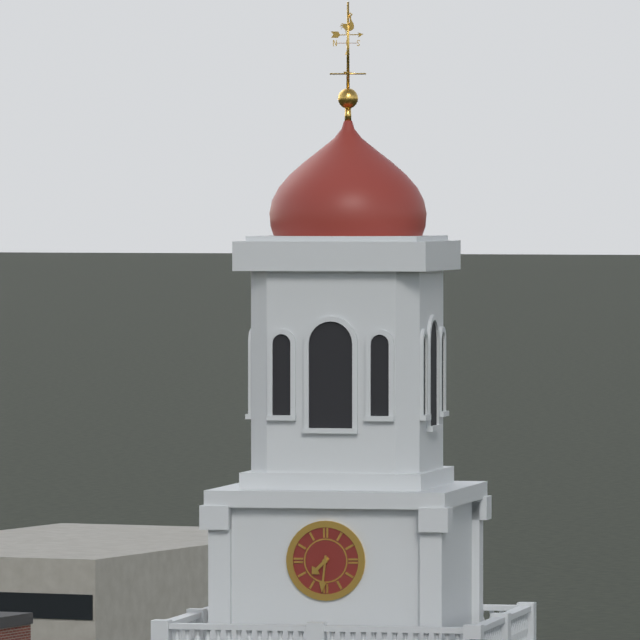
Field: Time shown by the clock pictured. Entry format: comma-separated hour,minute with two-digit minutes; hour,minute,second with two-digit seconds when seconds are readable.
7,31
